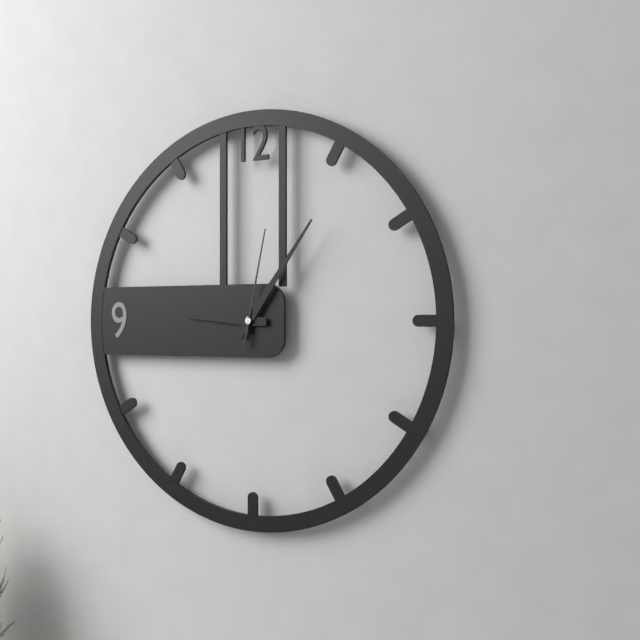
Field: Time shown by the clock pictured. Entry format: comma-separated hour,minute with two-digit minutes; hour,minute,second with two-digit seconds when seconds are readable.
9,06,02
